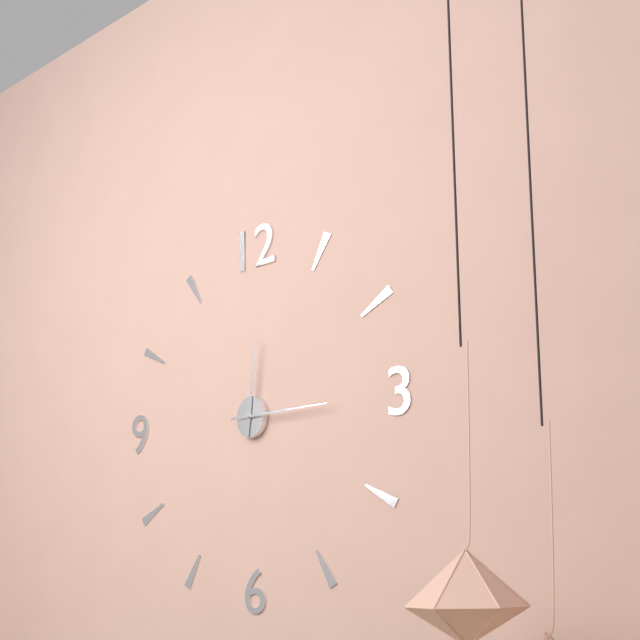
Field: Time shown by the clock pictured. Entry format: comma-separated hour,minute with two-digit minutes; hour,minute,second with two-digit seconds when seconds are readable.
12,15
